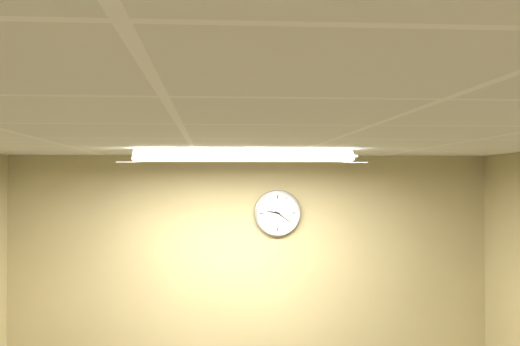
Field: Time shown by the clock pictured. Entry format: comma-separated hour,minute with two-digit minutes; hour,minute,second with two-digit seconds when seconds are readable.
9,21
